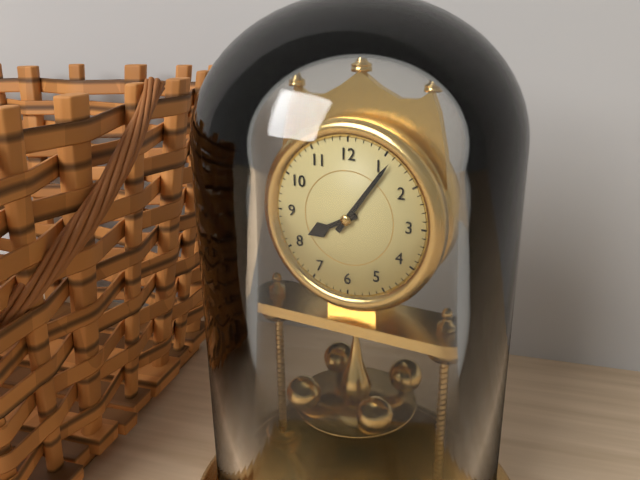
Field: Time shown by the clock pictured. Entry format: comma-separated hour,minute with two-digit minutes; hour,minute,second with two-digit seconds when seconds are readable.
8,06
